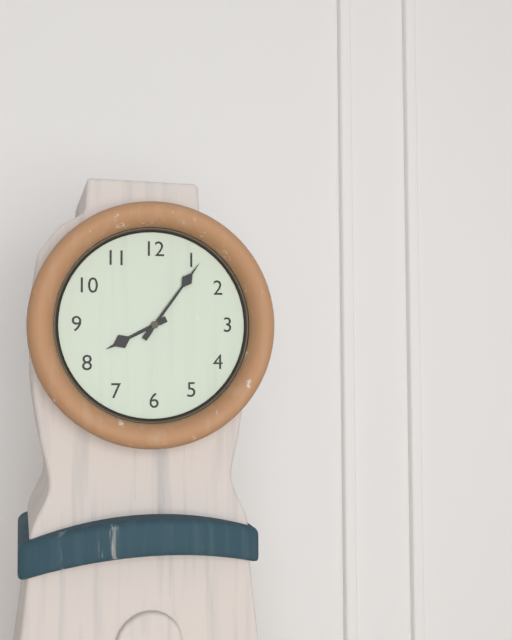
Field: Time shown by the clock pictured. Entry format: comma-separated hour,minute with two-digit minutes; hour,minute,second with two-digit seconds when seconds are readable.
8,06
